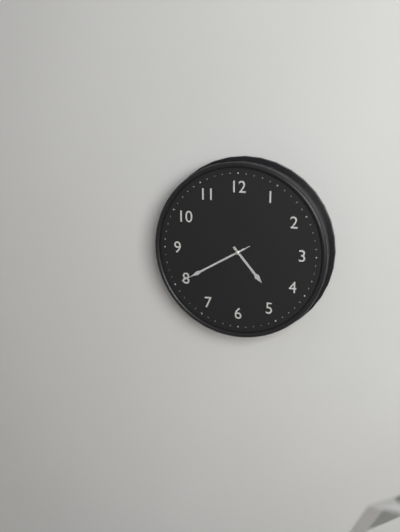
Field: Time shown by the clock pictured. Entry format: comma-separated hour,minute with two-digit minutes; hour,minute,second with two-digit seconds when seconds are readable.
4,40,40
